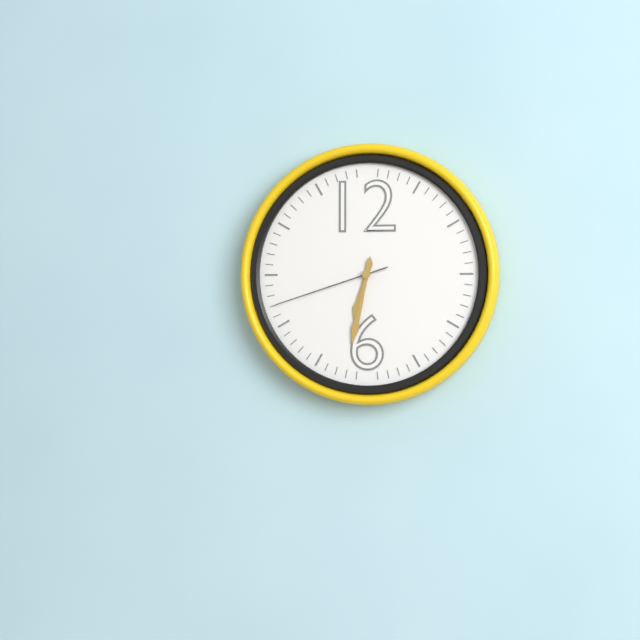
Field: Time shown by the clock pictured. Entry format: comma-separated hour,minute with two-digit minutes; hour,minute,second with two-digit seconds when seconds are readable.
6,32,42
